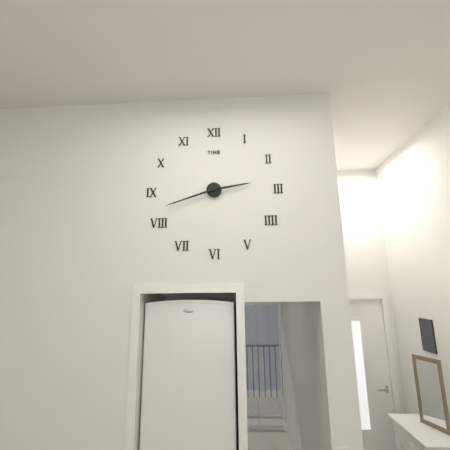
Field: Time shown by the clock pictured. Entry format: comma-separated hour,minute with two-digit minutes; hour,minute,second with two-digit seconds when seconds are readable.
2,42
